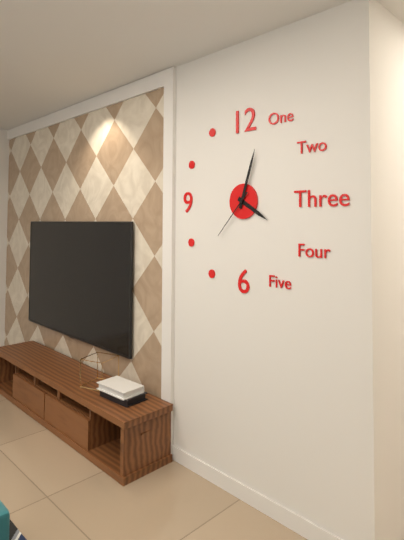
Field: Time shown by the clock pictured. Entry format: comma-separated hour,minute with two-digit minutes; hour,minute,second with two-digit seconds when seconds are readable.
4,03,37
